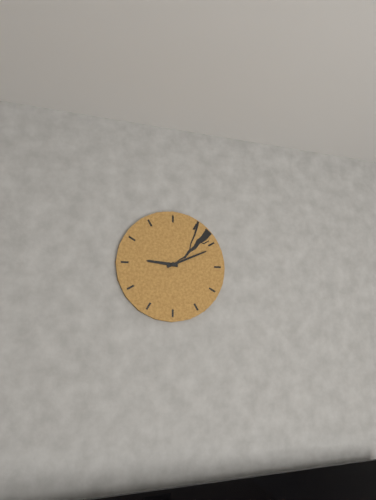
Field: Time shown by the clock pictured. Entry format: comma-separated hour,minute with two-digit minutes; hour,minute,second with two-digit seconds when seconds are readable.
9,11
